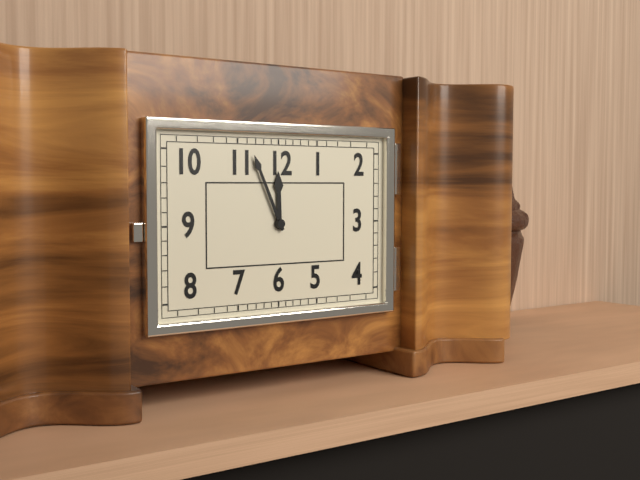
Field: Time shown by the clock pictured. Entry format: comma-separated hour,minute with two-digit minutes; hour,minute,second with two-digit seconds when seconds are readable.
11,56
